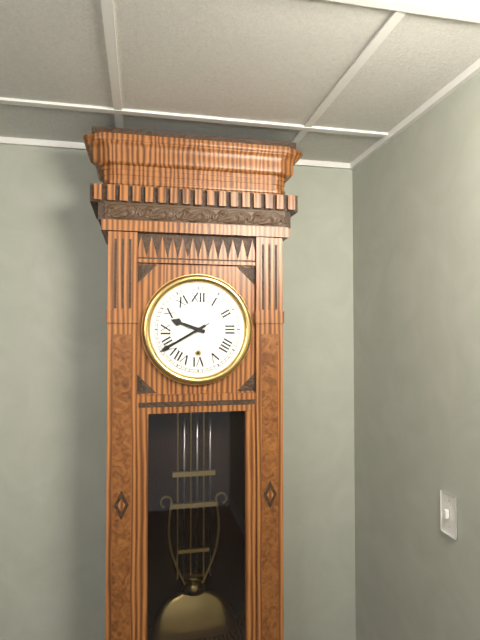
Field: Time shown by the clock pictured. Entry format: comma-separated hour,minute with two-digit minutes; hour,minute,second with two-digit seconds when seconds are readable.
9,40
